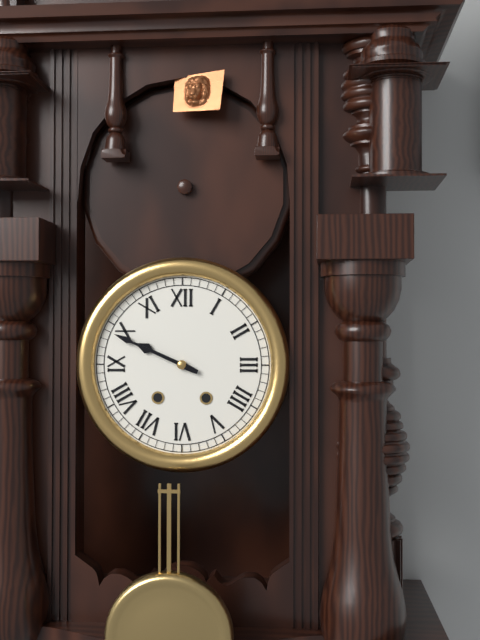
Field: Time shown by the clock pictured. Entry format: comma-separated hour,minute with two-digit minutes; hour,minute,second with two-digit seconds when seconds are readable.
9,49
